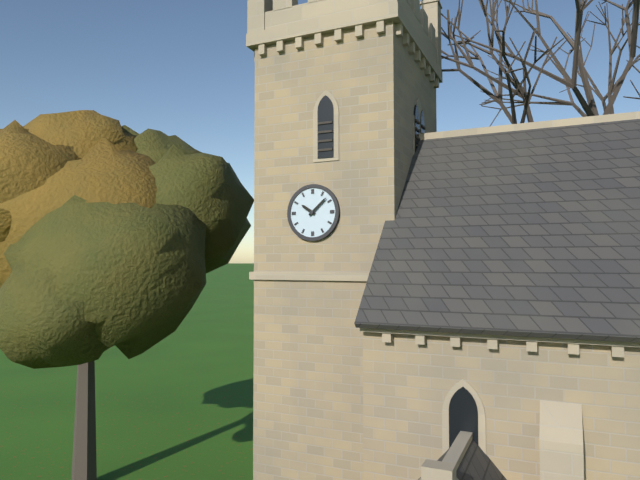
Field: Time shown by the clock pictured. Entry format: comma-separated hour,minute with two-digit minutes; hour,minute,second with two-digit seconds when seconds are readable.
10,08
